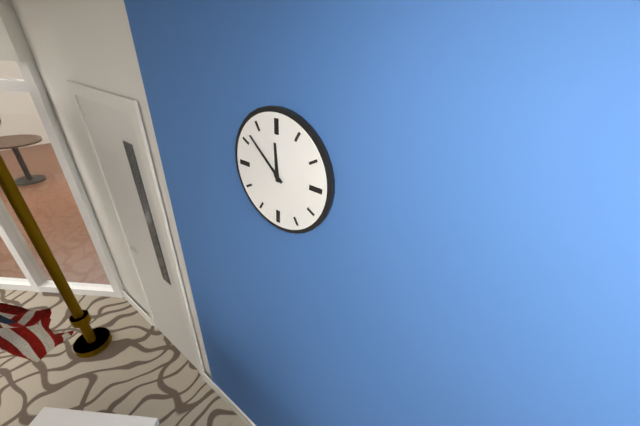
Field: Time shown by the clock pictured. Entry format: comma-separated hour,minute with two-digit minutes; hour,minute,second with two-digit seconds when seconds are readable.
11,52
